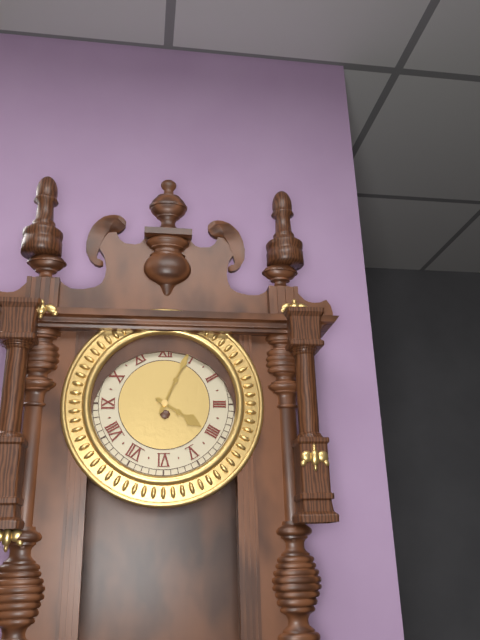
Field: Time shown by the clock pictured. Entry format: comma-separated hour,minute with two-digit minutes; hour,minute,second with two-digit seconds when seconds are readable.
4,04
